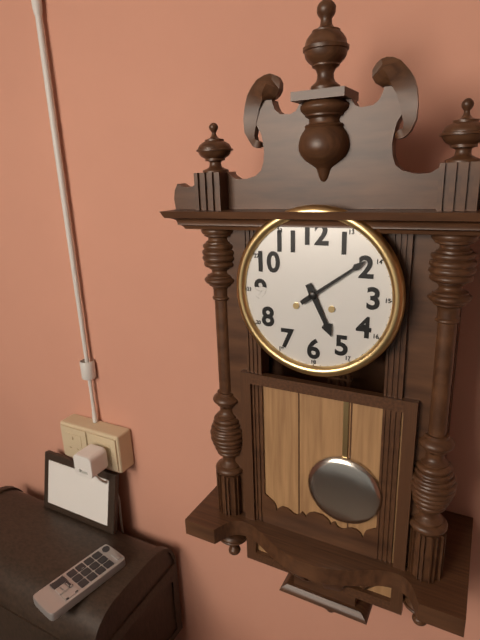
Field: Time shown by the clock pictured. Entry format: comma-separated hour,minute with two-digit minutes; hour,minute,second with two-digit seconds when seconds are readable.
5,09
